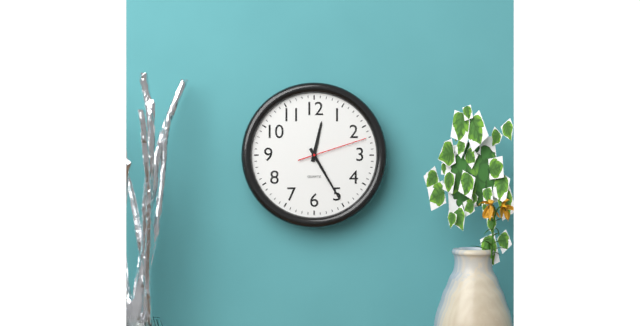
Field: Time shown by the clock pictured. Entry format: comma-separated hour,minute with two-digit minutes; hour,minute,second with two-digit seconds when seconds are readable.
12,25,12
